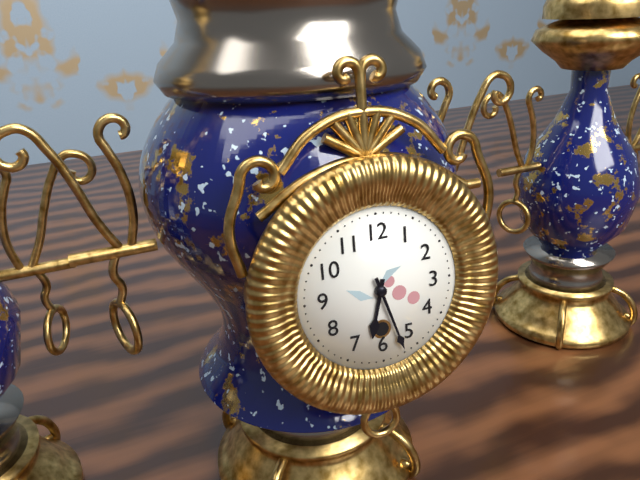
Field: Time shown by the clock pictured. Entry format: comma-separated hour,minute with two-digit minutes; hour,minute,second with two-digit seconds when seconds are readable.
6,27
